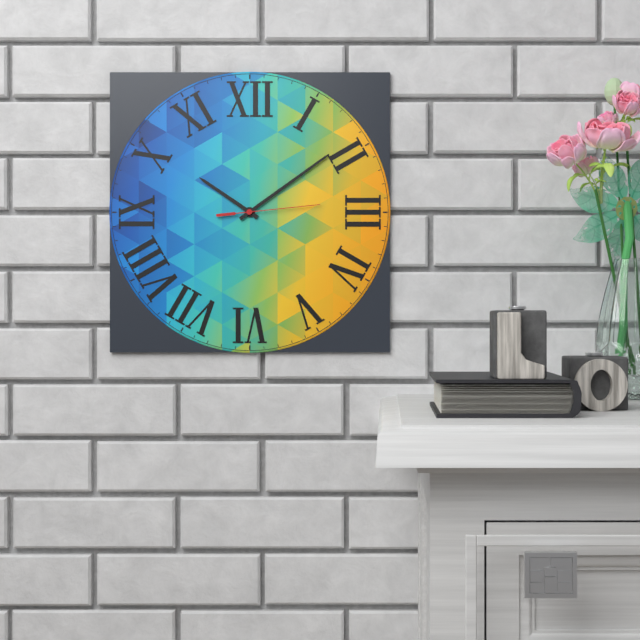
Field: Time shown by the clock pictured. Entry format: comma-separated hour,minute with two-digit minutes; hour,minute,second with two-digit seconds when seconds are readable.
10,09,14
